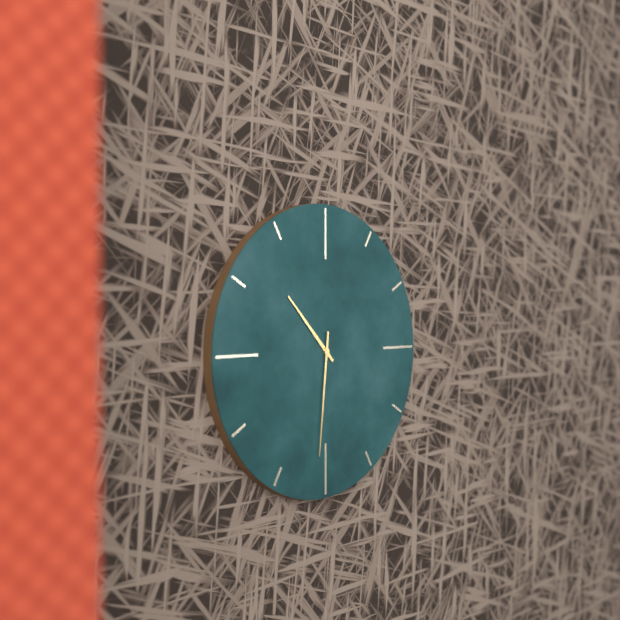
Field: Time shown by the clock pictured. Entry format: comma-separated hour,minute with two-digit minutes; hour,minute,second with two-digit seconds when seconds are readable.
10,31
